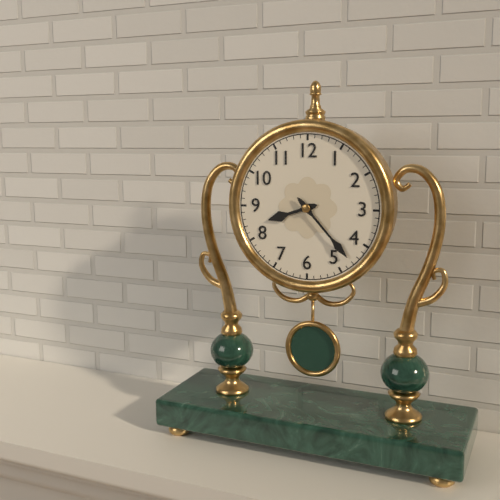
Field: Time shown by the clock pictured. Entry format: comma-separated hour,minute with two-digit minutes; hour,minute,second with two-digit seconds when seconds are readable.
8,23
